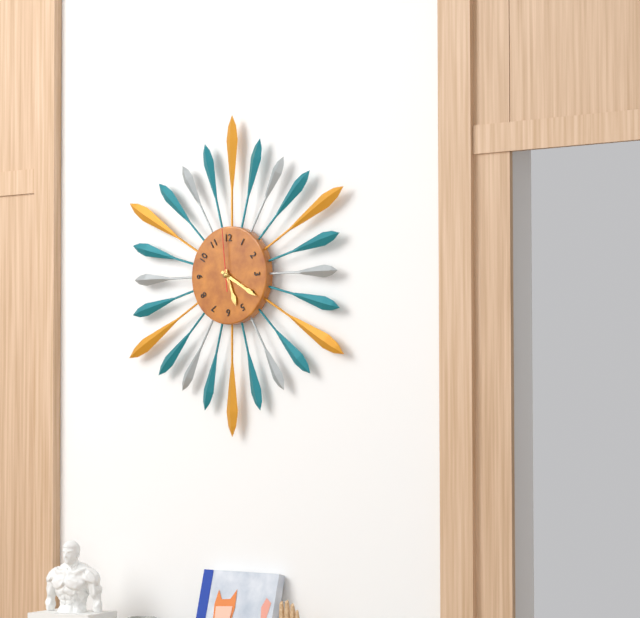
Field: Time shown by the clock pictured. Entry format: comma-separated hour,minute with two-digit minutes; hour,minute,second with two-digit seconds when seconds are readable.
5,20,59
